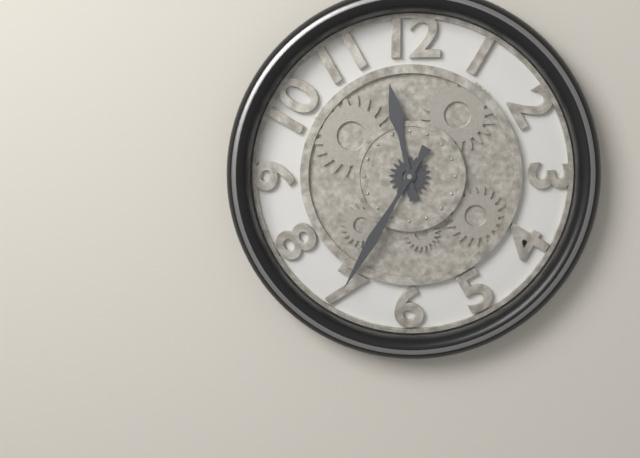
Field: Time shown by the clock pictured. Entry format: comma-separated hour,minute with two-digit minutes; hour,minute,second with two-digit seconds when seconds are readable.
11,35
